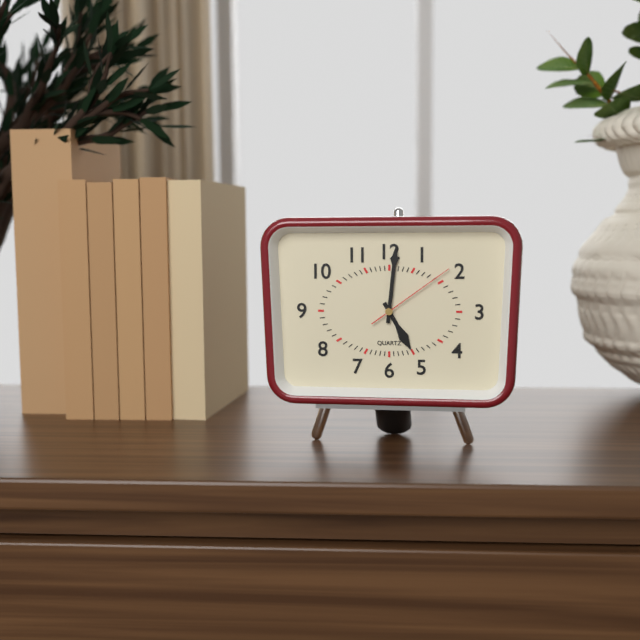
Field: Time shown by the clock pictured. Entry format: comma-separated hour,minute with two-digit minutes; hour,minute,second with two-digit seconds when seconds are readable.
5,01,09
